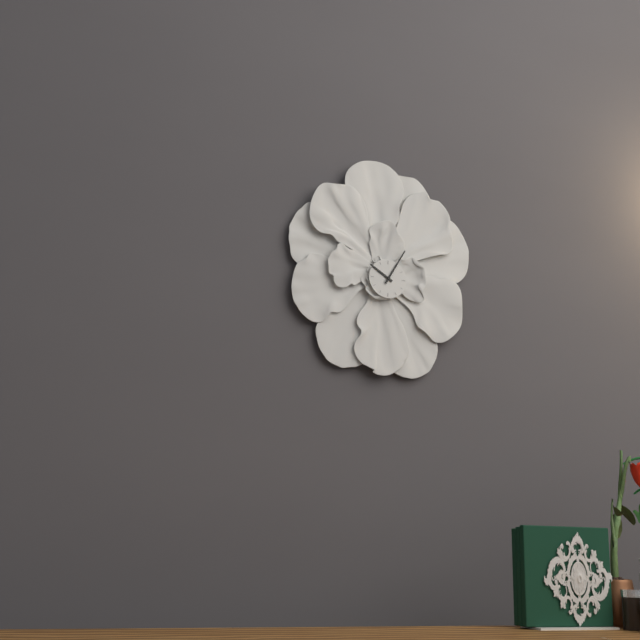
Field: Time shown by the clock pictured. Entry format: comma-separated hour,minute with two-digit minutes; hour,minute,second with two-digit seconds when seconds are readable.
10,05
